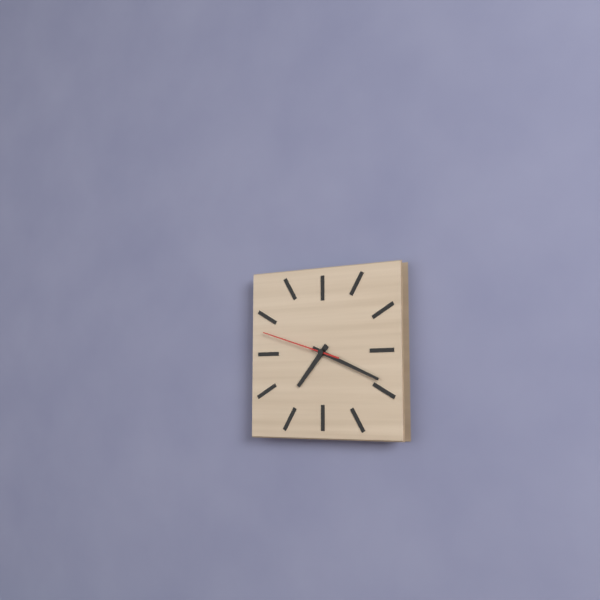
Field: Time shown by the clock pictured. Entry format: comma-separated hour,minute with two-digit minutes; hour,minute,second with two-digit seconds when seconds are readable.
7,19,48
